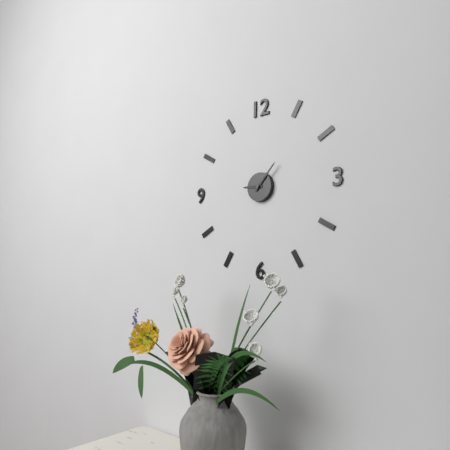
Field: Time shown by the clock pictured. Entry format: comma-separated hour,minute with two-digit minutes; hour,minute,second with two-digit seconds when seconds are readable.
9,07
